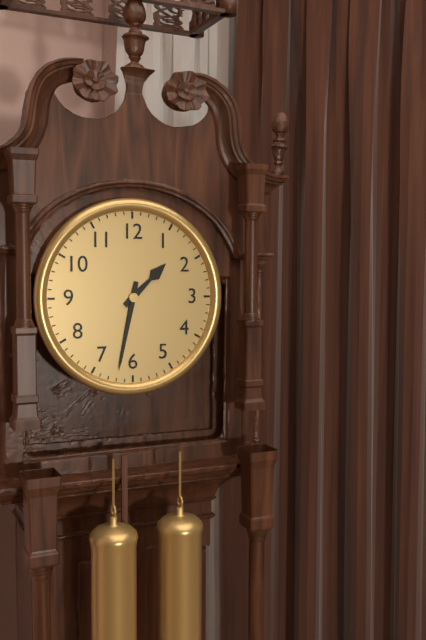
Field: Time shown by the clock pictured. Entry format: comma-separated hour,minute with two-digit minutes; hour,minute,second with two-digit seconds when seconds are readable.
1,32
